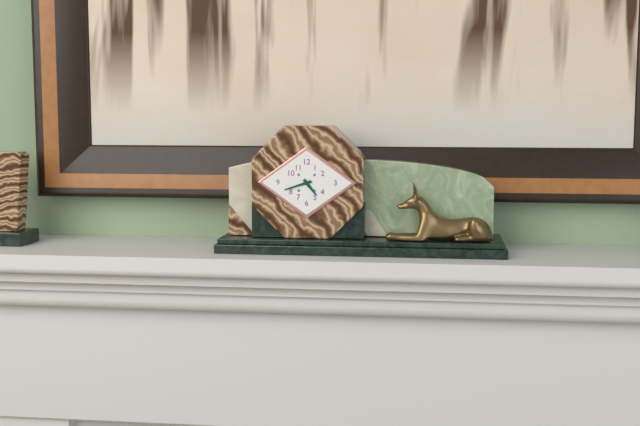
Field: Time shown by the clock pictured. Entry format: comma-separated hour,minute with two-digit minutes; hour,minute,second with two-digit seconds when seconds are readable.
4,42
